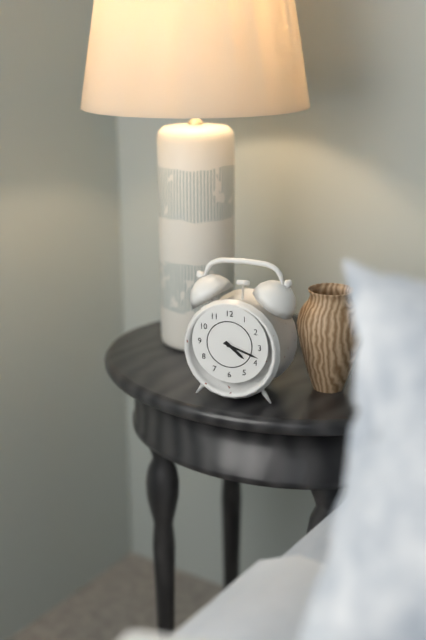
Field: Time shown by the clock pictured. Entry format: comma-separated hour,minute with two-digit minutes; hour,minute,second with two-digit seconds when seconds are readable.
4,18
